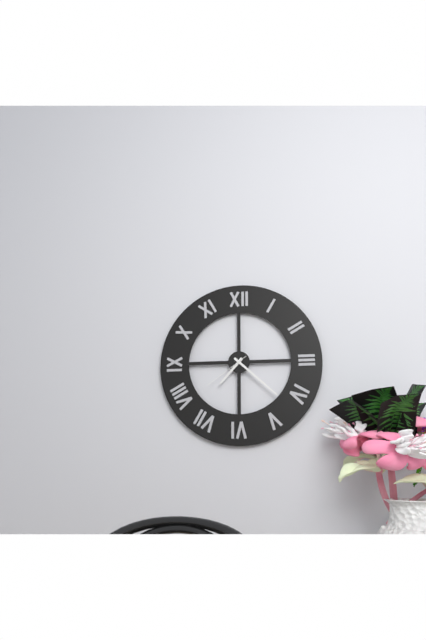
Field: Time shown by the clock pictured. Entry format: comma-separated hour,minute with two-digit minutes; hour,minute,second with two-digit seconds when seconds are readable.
7,22,39
